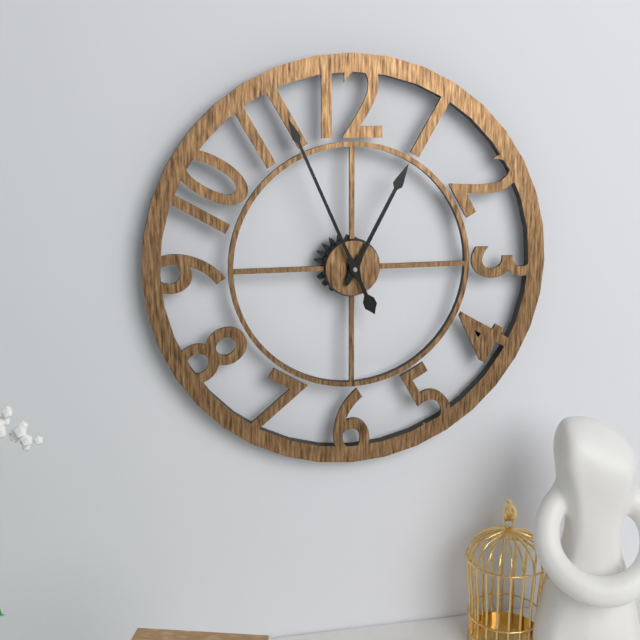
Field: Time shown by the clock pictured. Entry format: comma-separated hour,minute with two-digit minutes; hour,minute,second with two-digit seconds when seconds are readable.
12,56
